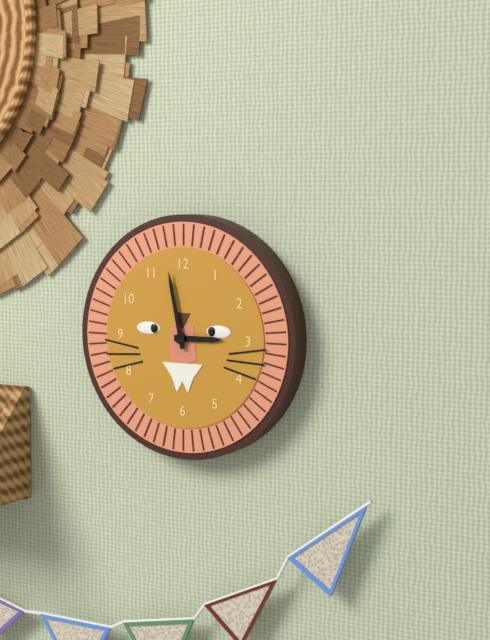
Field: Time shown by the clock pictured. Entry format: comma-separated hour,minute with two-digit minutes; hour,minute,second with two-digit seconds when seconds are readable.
2,58
